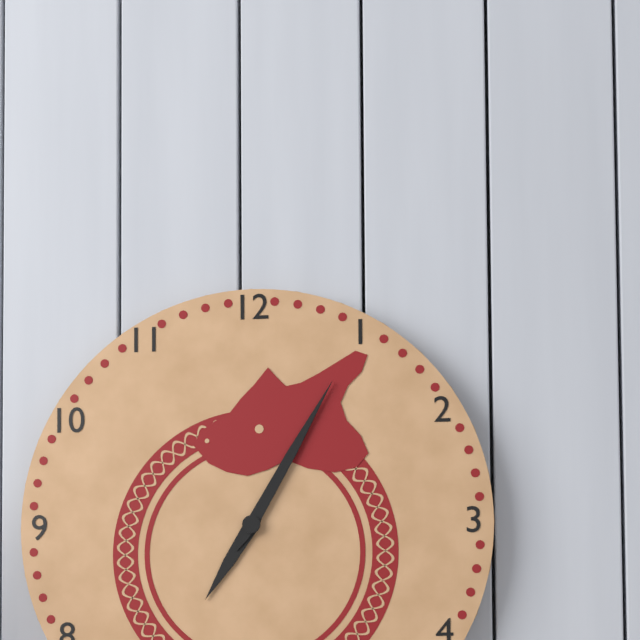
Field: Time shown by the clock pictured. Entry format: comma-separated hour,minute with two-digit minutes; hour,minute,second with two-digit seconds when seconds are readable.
7,05
